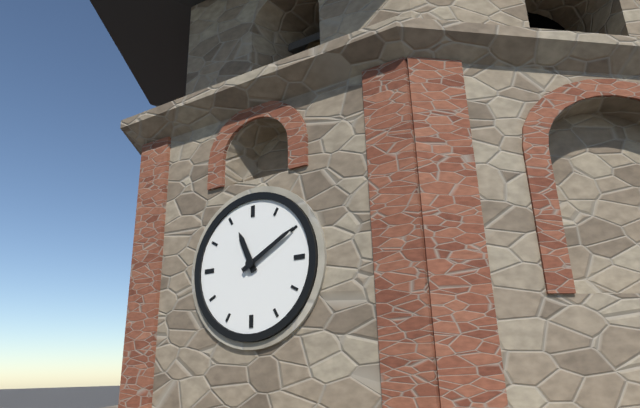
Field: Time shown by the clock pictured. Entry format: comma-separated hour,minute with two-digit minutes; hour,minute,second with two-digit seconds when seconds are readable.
11,10
